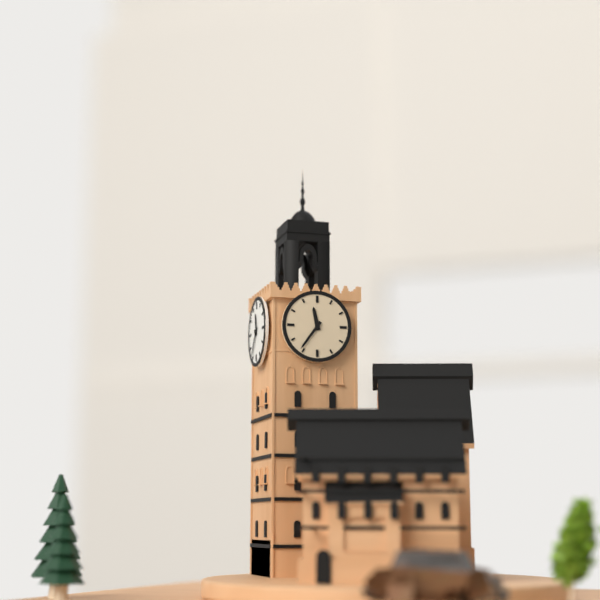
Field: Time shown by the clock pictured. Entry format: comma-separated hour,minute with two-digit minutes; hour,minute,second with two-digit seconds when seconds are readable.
11,36
